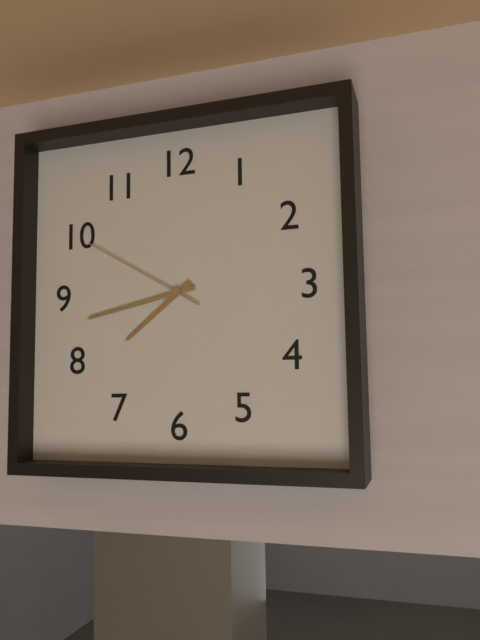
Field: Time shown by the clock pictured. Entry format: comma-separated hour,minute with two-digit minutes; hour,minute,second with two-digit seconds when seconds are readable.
7,43,50
